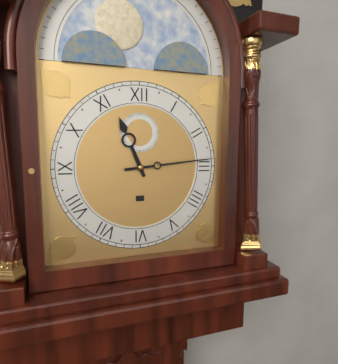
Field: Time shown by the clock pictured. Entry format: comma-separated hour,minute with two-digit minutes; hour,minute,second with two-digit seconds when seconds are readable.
11,14
